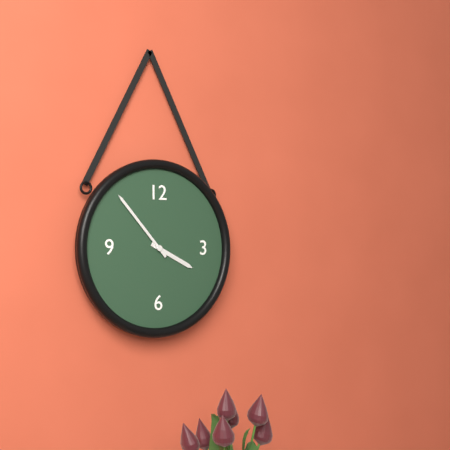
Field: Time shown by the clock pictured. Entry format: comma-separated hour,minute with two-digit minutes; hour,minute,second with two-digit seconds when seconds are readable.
3,53
